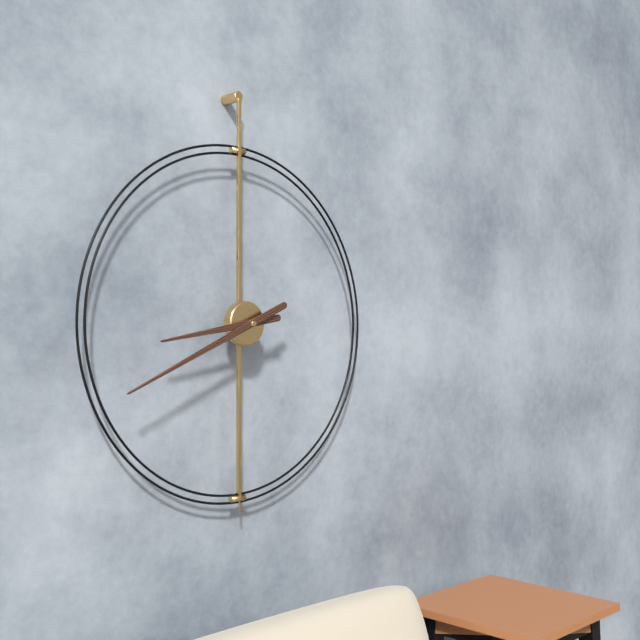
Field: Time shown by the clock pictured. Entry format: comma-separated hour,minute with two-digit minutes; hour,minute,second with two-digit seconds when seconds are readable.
8,41
